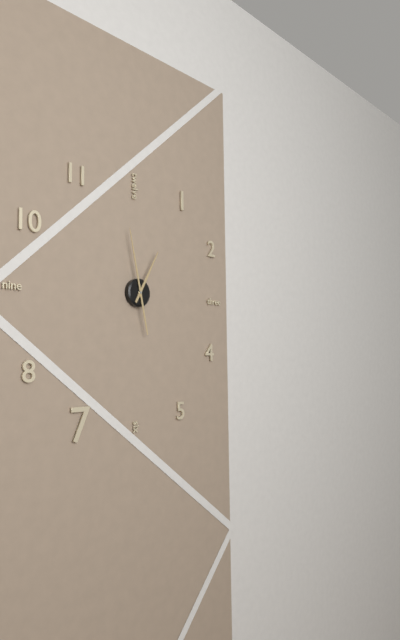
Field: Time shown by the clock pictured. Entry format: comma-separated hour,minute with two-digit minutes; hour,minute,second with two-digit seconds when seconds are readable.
12,58
